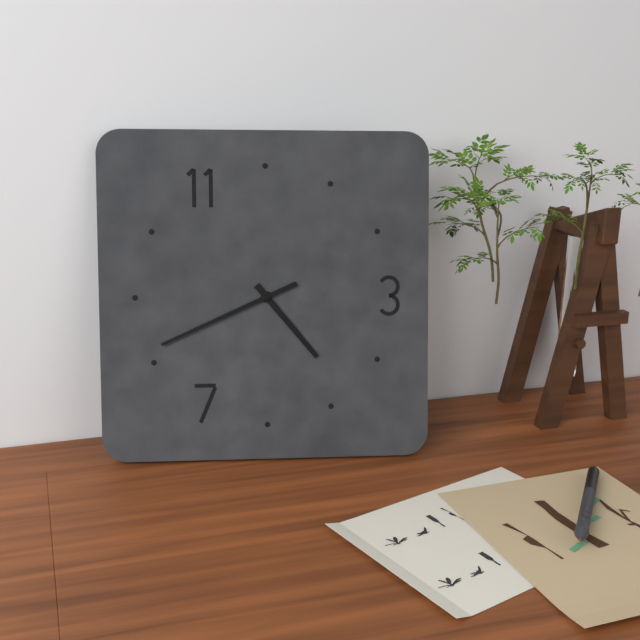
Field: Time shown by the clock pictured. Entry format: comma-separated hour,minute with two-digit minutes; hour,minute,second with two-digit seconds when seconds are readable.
4,41
